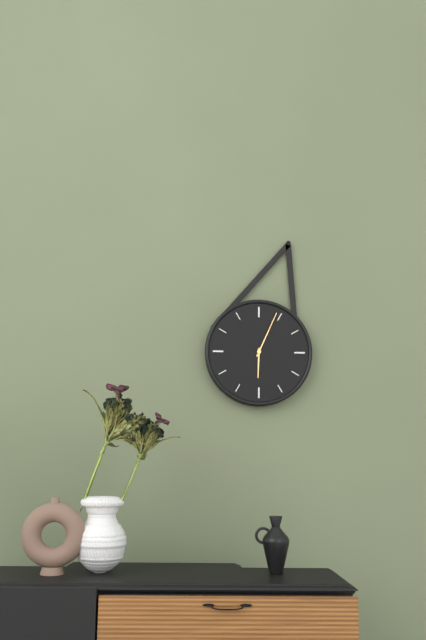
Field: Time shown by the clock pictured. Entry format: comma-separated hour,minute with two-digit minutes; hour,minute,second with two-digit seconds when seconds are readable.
6,04
